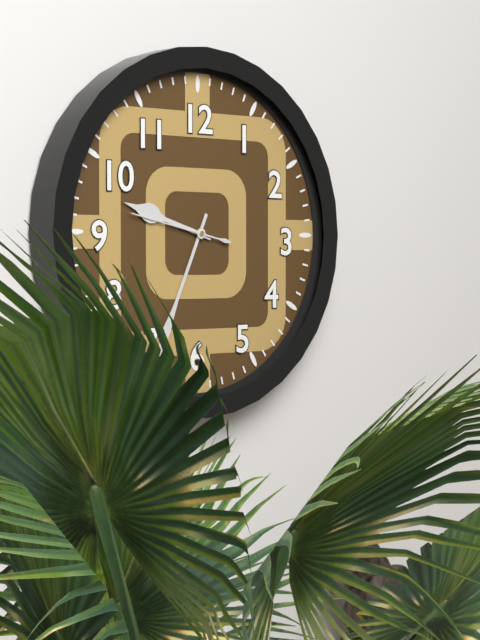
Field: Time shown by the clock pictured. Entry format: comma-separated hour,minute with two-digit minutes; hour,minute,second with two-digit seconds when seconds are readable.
9,34,47
